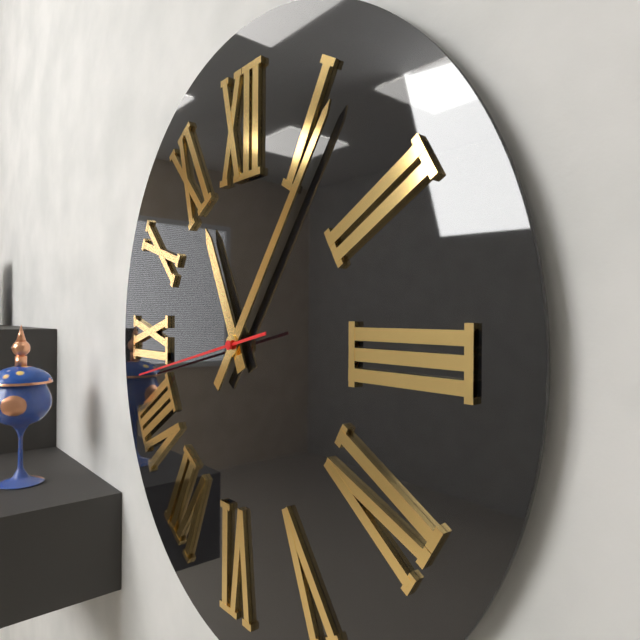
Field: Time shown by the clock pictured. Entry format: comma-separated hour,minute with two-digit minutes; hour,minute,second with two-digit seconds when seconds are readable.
11,06,43
